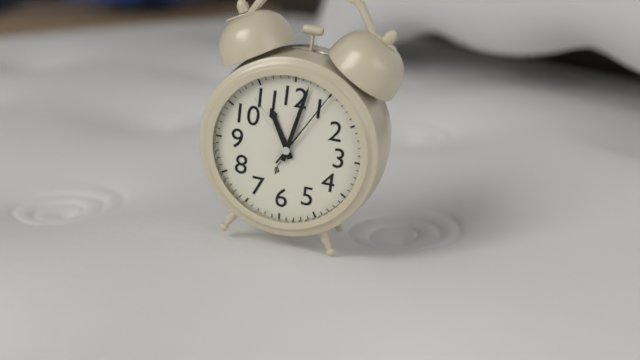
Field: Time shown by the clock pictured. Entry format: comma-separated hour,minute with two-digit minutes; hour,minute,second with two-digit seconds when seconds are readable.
11,02,05
